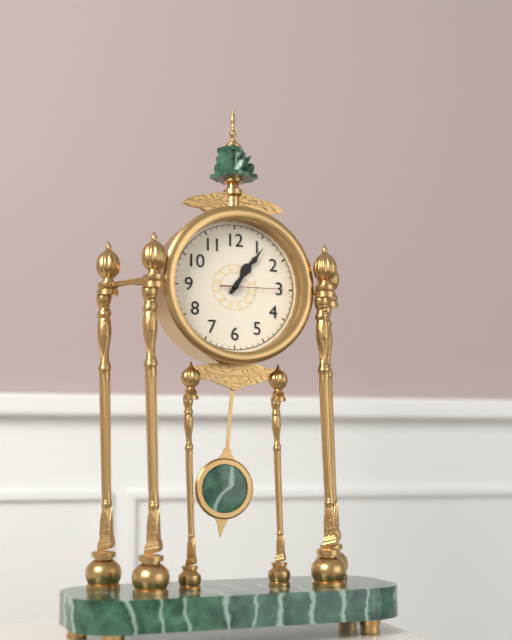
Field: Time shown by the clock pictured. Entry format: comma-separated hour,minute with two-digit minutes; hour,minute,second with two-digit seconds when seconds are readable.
1,06,15
